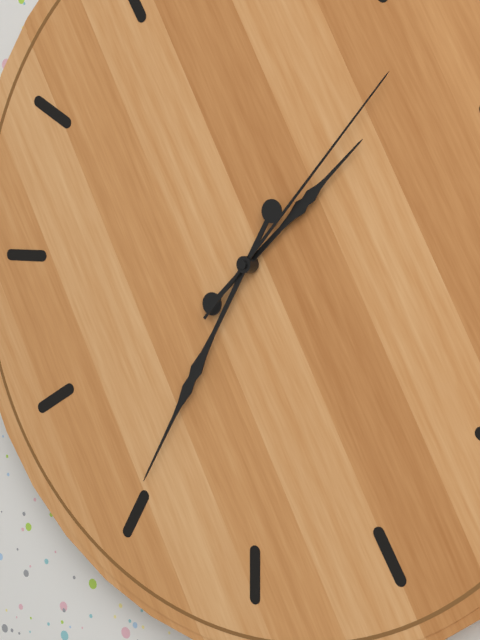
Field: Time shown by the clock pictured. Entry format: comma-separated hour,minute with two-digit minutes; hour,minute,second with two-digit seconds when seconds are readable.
1,35,07
